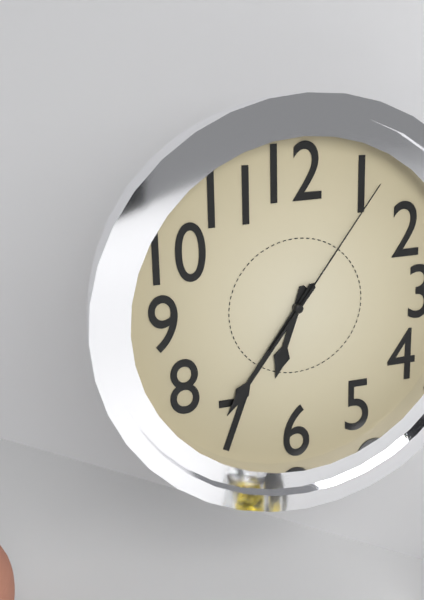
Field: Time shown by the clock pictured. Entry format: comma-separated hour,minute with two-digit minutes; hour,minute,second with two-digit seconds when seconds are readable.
6,36,06
